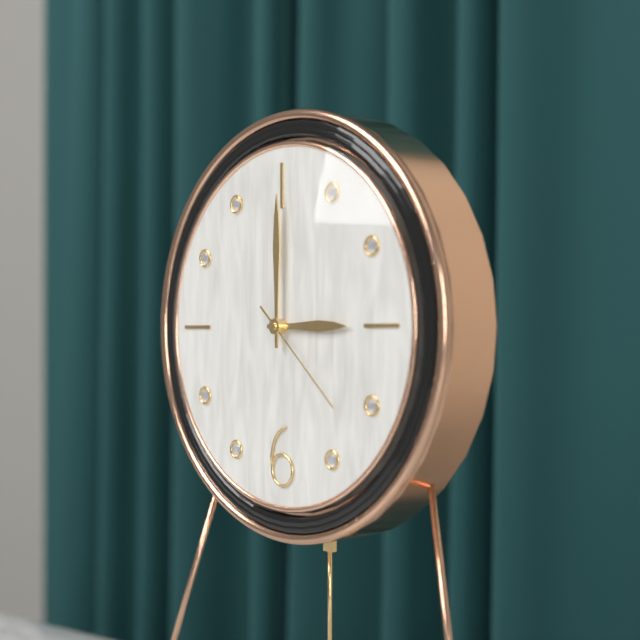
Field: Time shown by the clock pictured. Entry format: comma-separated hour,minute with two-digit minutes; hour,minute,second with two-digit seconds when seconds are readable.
3,00,22
